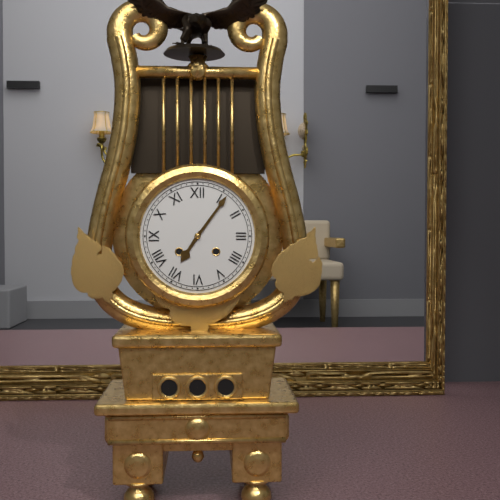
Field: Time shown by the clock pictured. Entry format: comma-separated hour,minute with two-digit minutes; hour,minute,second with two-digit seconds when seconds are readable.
7,06
